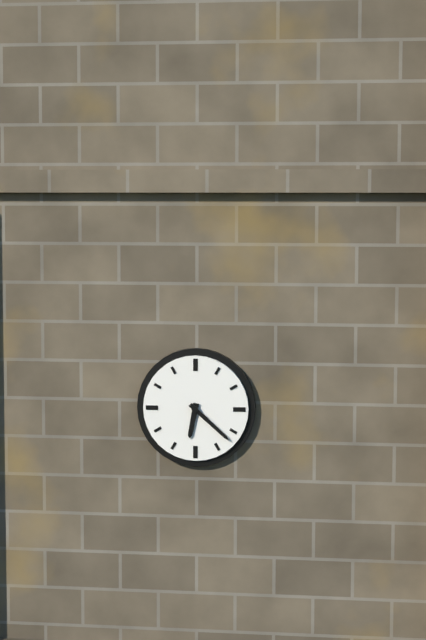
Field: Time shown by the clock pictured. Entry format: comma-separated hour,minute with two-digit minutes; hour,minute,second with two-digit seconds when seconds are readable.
6,22
